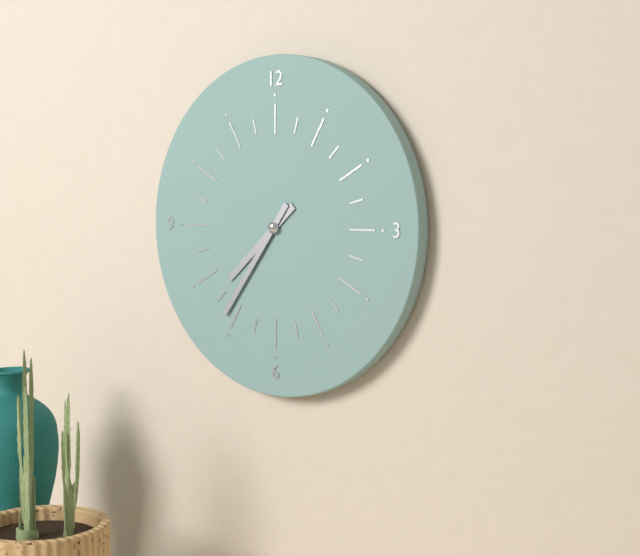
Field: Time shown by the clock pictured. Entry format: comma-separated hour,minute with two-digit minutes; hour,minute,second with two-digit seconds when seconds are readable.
7,36
